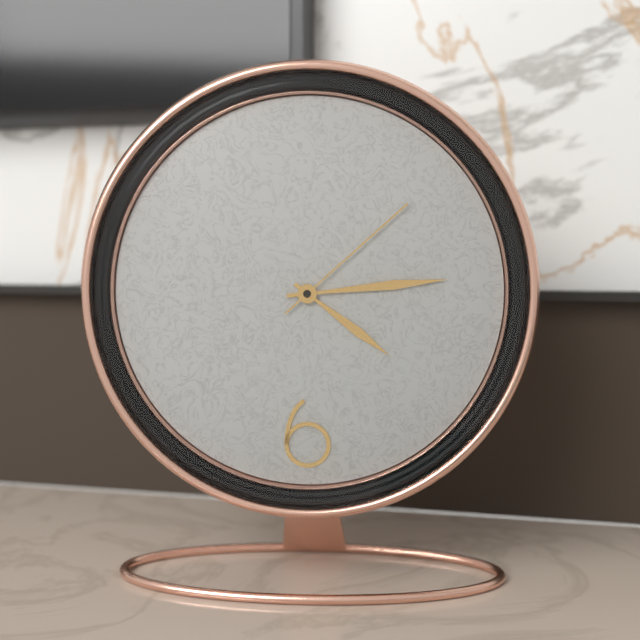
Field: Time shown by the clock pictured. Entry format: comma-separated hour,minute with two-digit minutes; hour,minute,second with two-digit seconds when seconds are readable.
4,14,08
